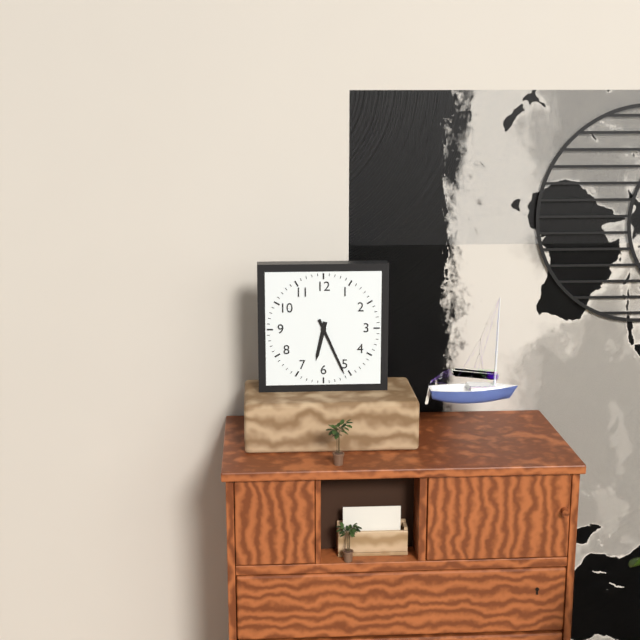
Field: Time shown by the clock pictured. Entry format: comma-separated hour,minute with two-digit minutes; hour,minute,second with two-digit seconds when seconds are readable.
6,26
